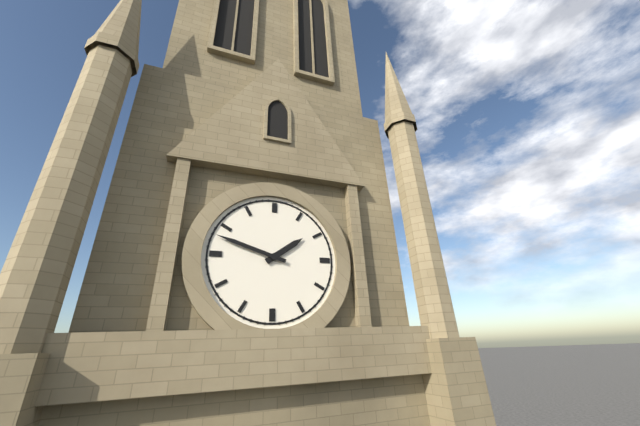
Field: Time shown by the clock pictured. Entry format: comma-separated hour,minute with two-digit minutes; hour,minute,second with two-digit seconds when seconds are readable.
1,48
